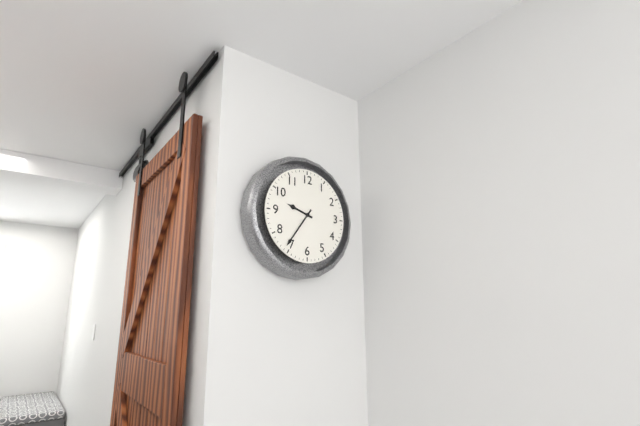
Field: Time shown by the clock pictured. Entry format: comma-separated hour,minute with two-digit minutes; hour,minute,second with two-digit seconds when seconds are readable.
9,36
